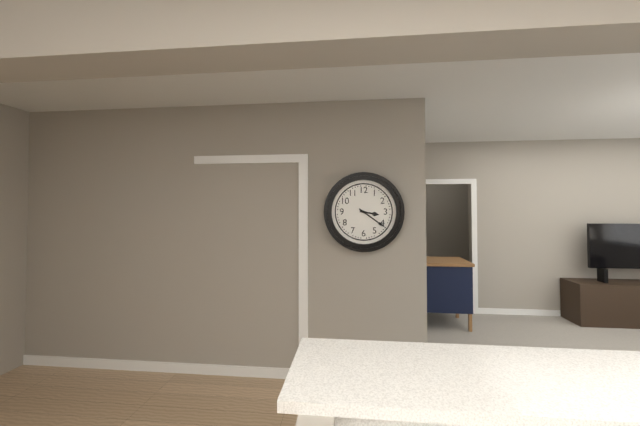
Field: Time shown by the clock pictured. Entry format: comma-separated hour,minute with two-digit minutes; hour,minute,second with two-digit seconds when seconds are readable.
3,21
